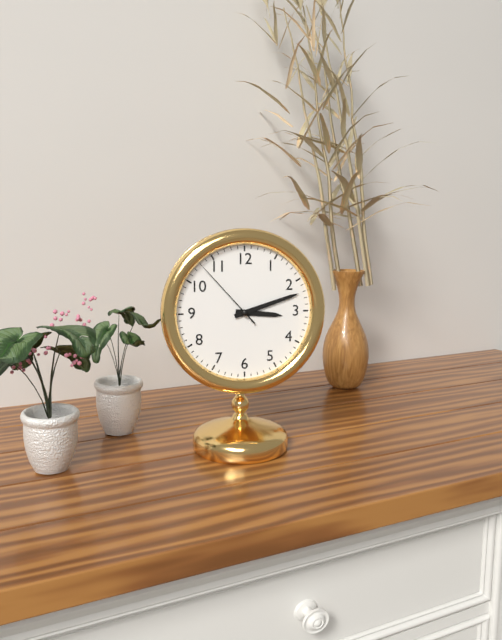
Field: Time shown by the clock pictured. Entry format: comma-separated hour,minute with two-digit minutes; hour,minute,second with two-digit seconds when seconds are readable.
3,12,53
